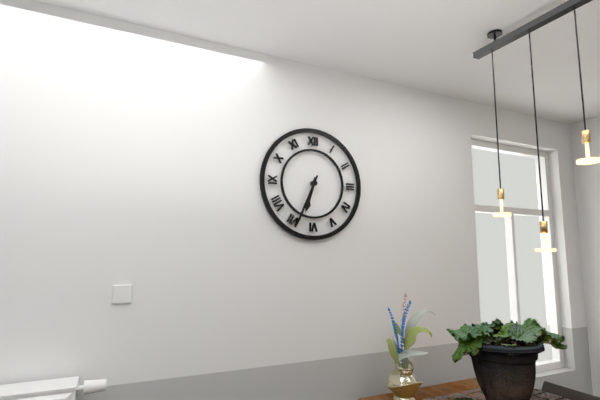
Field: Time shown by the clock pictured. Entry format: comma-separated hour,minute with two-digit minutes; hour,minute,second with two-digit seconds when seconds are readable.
6,34
